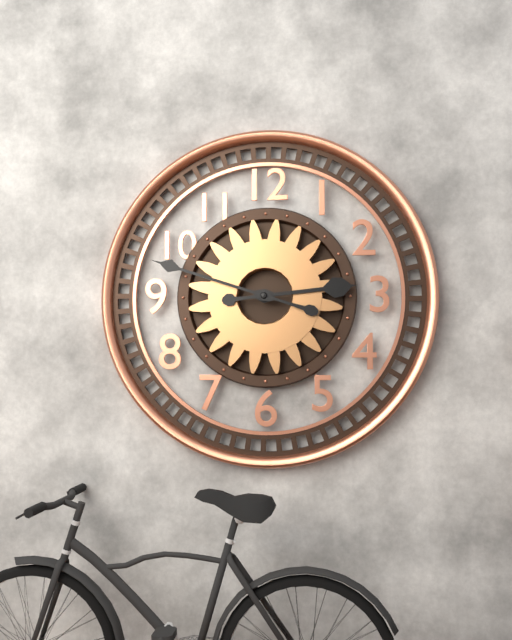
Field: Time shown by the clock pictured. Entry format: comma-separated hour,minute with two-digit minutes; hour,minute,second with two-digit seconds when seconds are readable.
2,48
